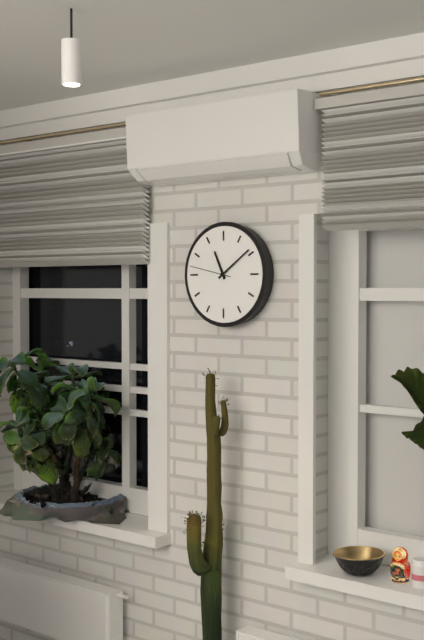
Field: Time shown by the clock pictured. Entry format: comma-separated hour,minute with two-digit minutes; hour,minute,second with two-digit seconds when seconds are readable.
11,09
